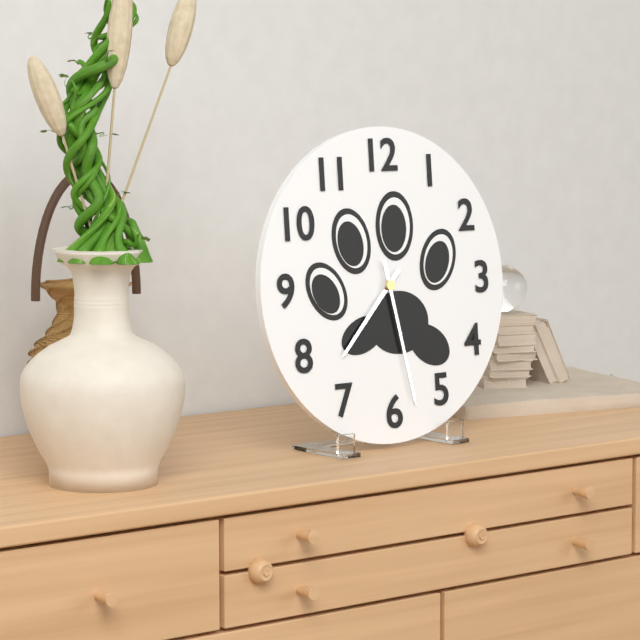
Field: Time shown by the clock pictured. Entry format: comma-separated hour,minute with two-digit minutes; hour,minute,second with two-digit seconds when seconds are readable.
7,28
